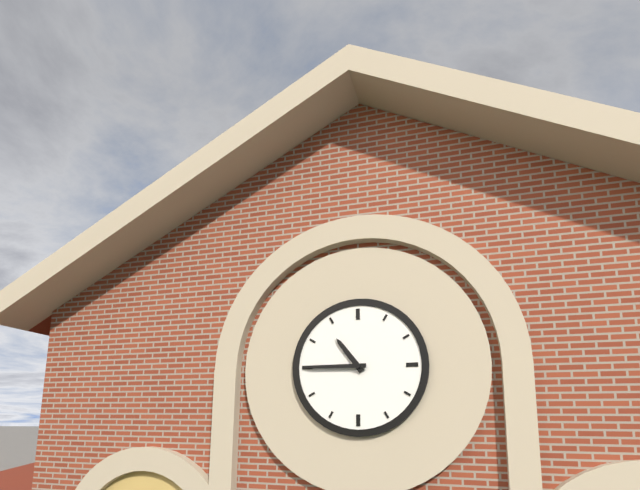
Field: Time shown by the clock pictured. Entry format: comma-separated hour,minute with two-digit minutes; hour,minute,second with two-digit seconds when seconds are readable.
10,45
